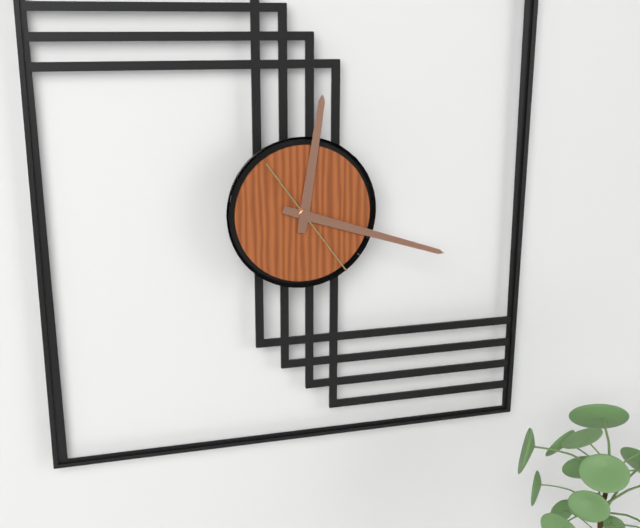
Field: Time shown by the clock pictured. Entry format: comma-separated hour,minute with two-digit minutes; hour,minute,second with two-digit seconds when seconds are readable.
12,18,24
